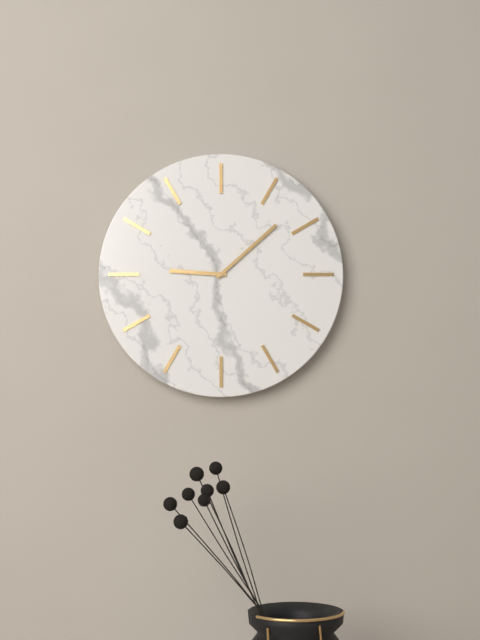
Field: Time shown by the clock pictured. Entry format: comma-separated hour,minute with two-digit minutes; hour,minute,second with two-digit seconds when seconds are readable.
9,08
